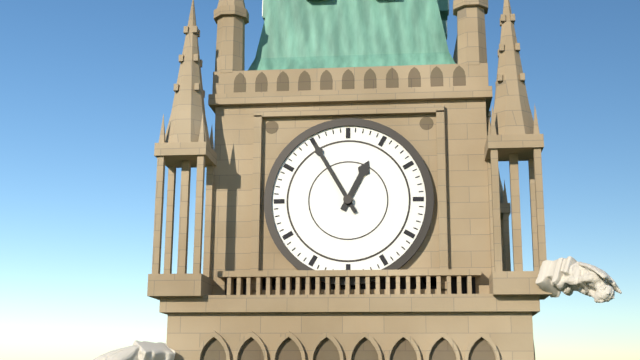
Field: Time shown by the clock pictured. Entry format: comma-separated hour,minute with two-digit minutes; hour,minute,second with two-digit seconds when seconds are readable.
12,55
